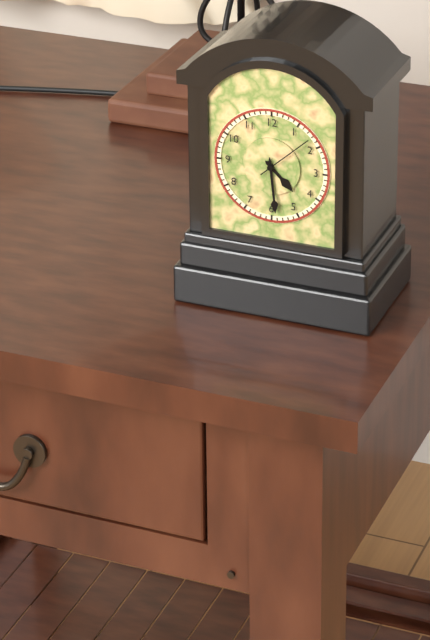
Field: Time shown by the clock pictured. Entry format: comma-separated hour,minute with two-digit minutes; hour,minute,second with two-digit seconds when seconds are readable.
4,29,08
